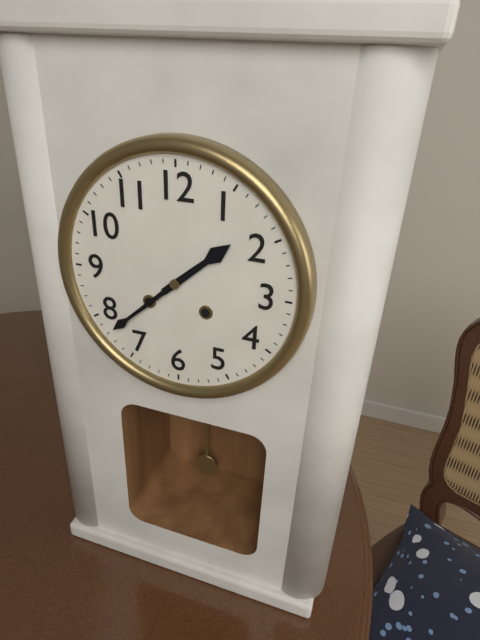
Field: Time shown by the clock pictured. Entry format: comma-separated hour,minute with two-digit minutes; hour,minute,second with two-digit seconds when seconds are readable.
1,38
